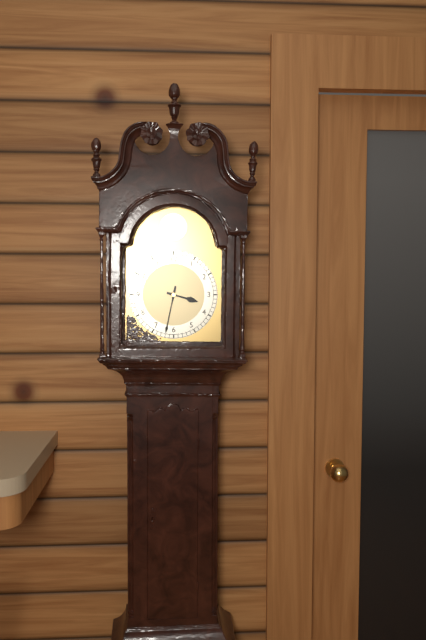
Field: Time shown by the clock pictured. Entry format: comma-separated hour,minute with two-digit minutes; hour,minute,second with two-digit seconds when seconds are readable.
3,32
